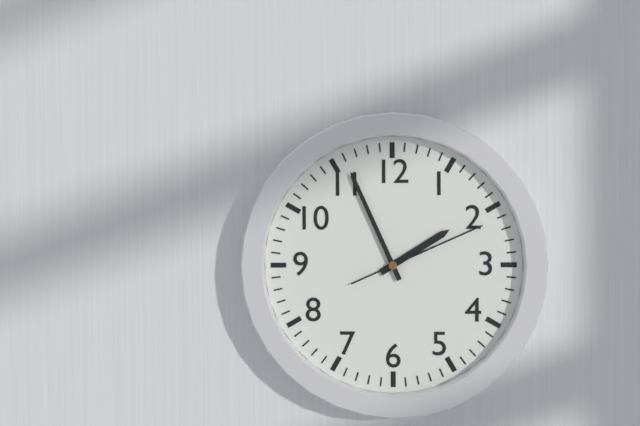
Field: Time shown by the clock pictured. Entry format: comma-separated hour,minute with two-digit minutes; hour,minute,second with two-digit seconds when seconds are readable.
1,56,11
